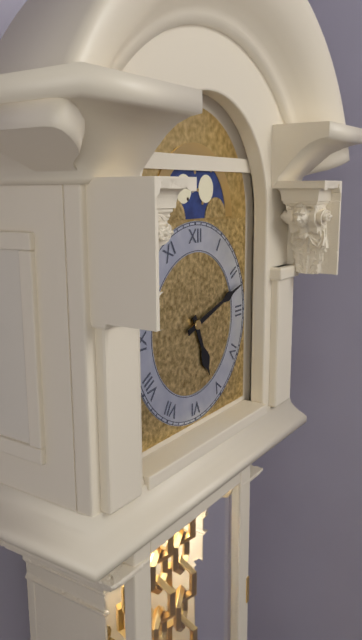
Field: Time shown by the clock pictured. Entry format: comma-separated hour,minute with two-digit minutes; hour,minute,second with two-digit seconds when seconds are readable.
5,12
